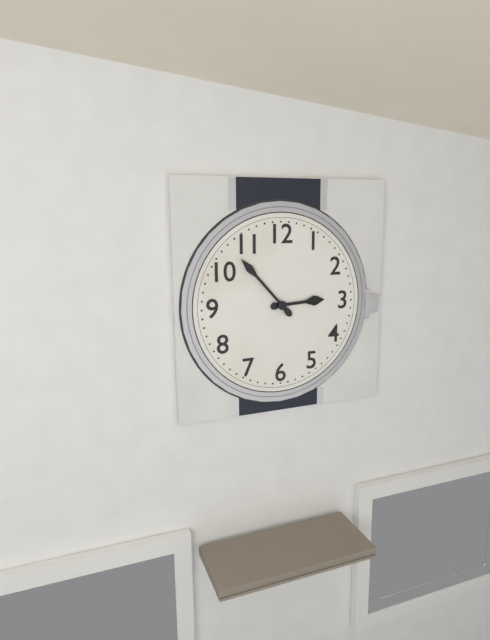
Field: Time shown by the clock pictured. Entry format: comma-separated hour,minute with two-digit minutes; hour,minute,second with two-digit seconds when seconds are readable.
2,53
